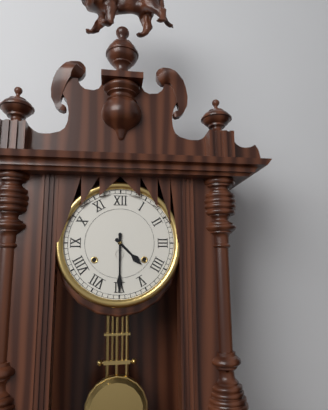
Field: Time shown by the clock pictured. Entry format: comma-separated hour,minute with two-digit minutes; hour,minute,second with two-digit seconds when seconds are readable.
4,30
